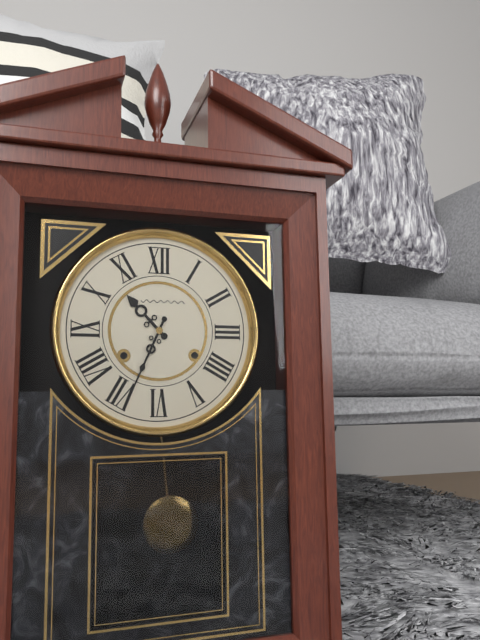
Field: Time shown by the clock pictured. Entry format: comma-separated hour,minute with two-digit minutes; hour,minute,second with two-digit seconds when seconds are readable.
10,34
